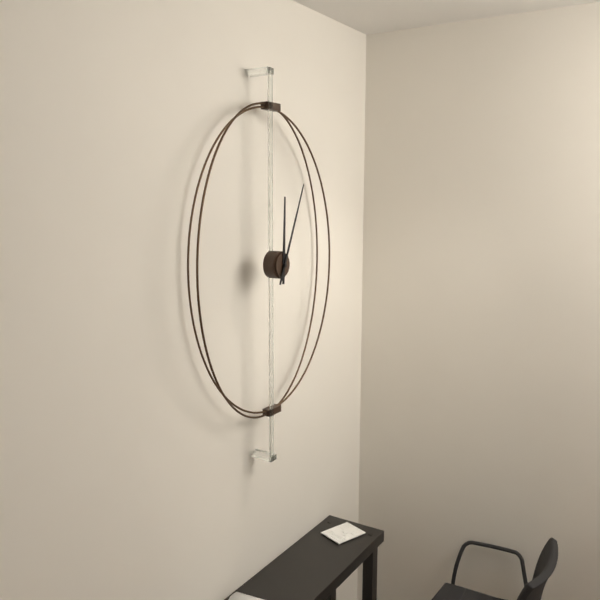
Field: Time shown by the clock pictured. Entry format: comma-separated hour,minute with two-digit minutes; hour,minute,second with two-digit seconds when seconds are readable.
12,04
